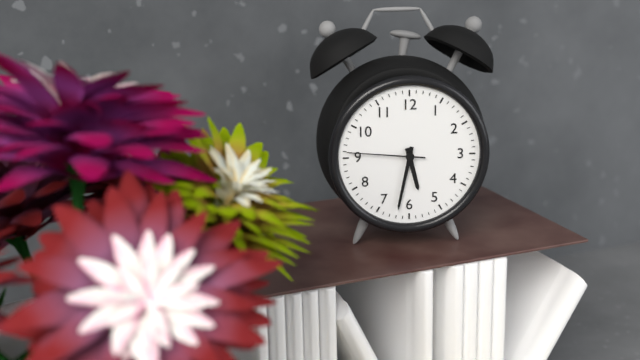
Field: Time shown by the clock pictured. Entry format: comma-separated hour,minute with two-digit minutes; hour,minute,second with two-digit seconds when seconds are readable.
5,32,46
